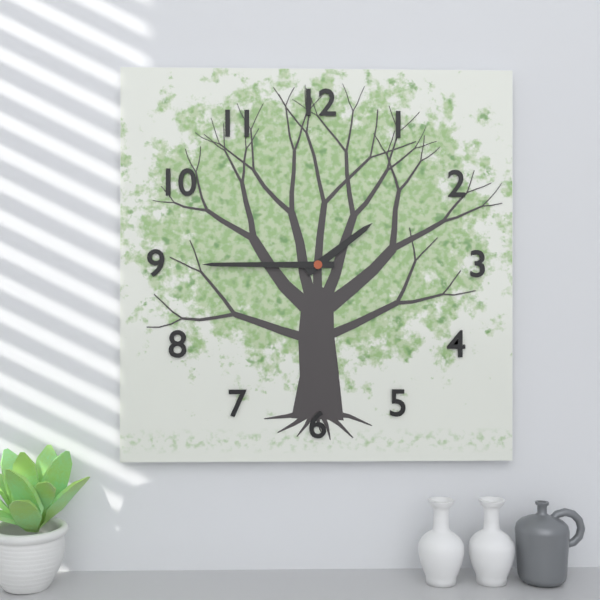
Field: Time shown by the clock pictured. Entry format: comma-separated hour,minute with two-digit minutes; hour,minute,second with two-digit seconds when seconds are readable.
1,45
